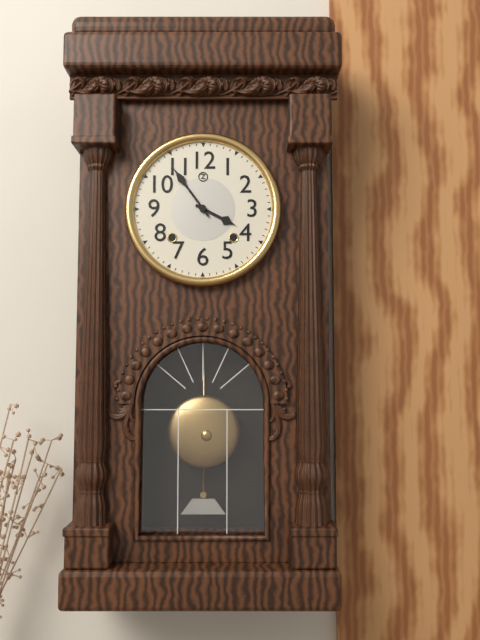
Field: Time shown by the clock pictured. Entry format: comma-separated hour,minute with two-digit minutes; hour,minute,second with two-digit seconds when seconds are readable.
3,54
